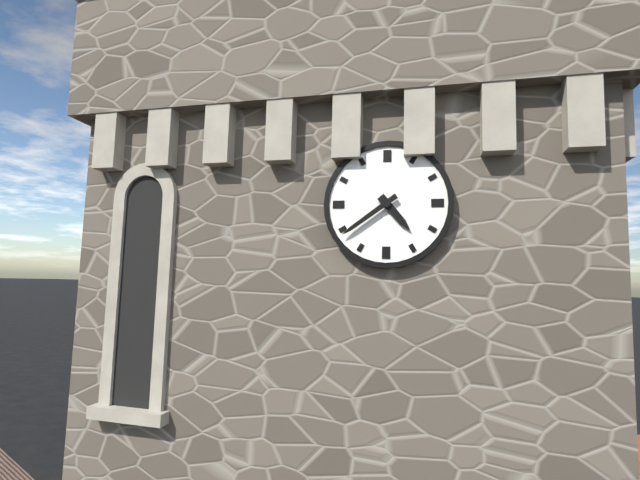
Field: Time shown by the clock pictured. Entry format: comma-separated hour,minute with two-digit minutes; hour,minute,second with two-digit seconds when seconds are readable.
4,39
